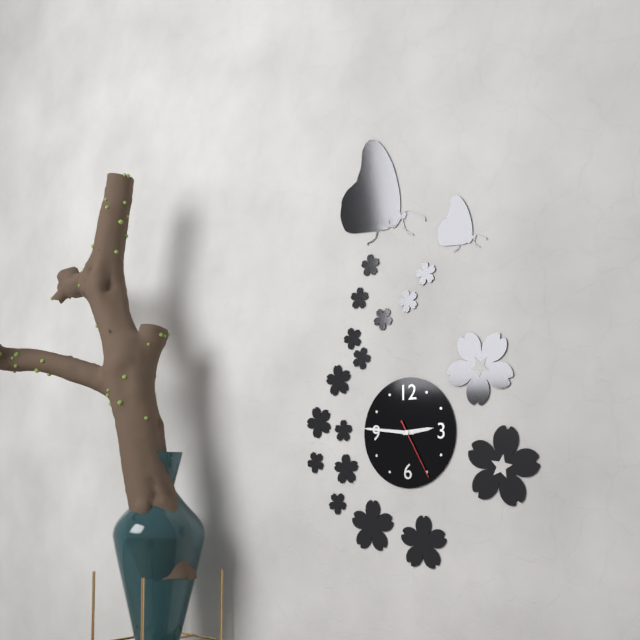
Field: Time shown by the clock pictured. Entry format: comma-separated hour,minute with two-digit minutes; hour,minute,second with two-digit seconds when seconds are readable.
2,46,25
